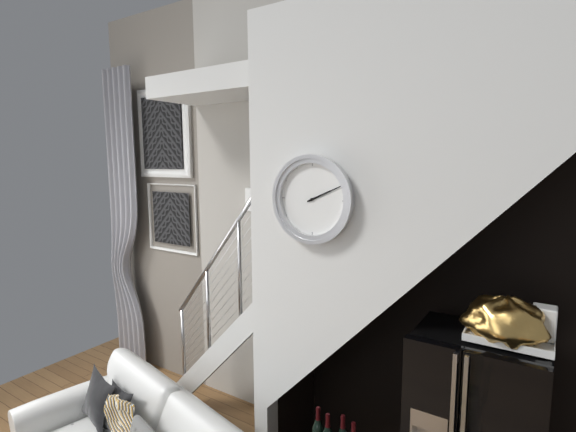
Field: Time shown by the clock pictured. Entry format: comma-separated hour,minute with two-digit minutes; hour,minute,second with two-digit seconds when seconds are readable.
2,11
